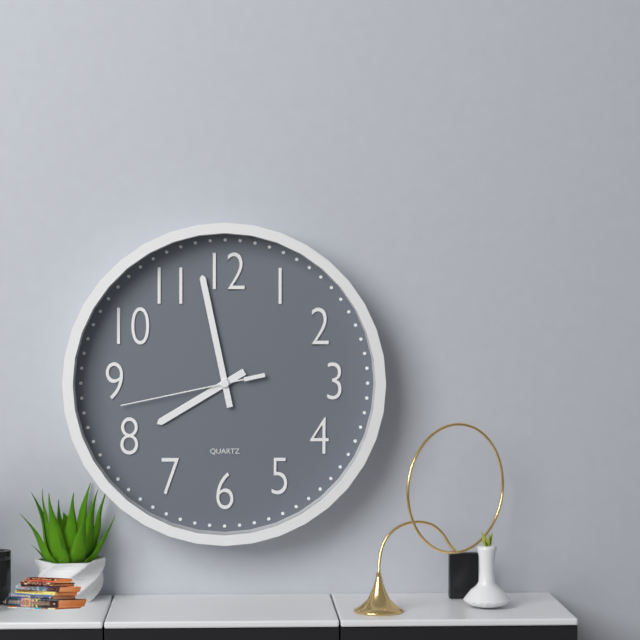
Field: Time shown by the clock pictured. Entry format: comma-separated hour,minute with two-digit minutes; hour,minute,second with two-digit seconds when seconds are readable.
7,58,43
